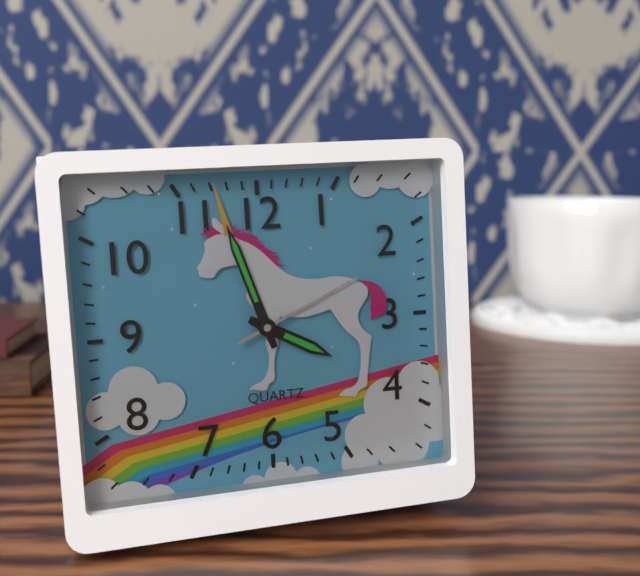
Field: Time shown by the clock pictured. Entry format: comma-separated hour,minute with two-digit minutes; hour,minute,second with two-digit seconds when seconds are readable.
3,57,11
